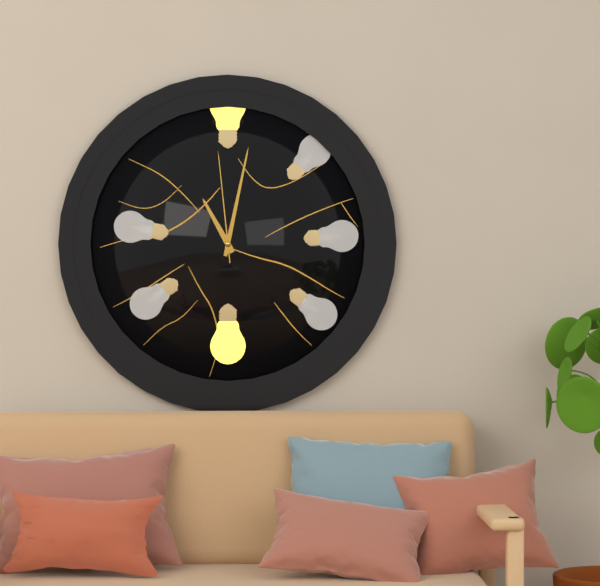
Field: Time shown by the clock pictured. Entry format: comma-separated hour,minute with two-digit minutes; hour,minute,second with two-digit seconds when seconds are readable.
11,02,59
